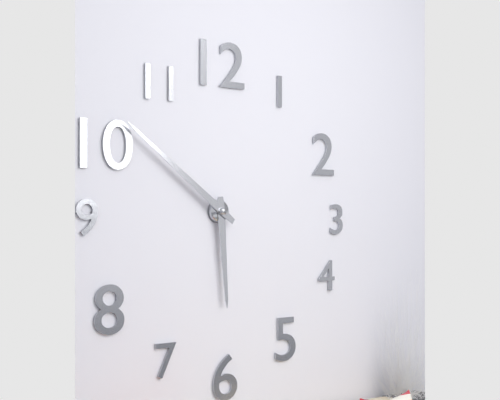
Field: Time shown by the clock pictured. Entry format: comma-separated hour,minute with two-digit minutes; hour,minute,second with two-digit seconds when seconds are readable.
5,51
